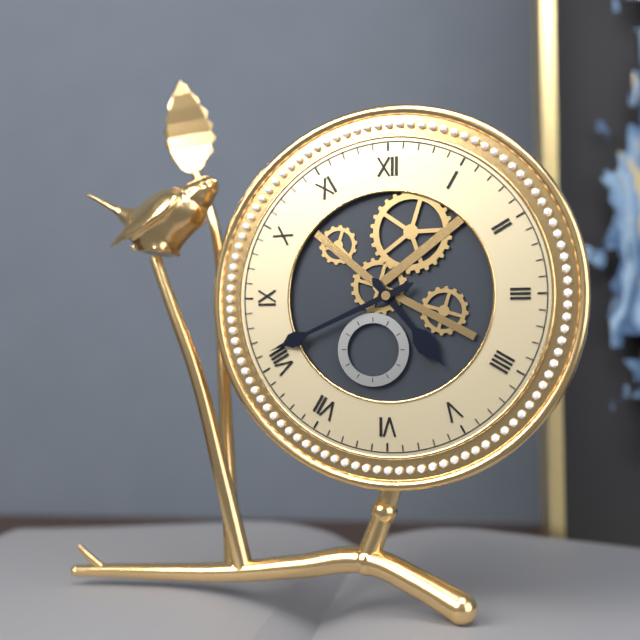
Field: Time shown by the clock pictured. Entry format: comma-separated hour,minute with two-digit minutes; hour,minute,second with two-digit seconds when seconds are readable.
4,41
